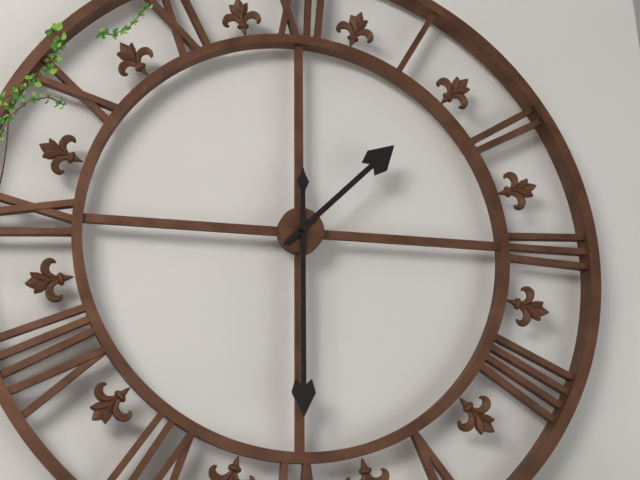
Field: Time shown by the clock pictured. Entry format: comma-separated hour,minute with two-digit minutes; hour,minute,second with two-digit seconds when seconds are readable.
1,30
